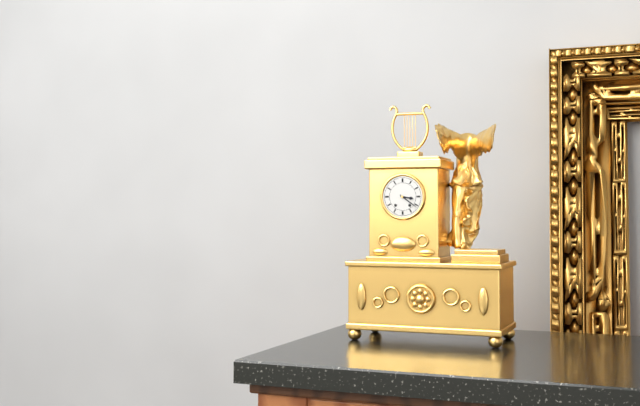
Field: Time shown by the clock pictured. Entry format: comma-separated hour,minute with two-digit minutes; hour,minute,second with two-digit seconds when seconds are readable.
3,21
